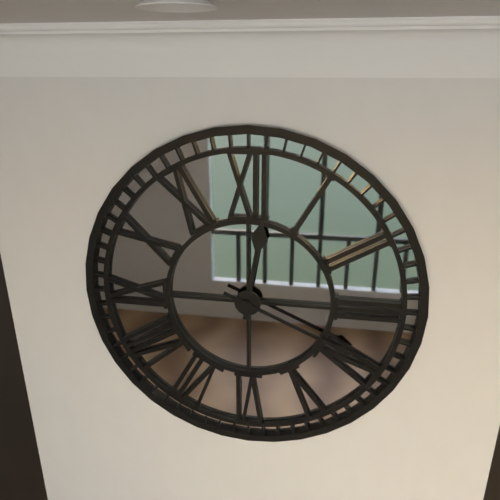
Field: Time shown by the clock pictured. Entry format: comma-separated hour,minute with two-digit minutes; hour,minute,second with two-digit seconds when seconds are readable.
12,19
